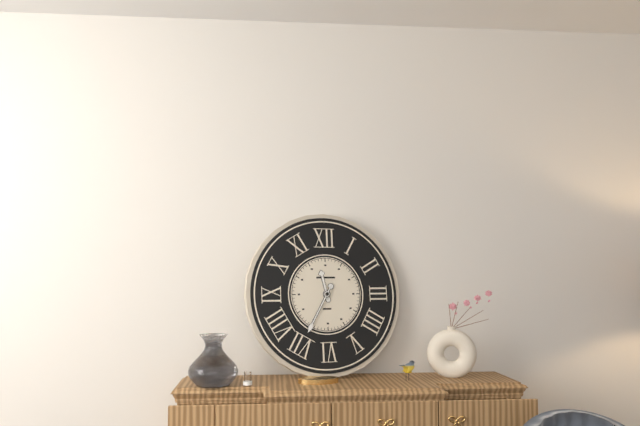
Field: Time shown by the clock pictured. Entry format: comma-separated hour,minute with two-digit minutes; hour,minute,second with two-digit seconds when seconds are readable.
11,35
